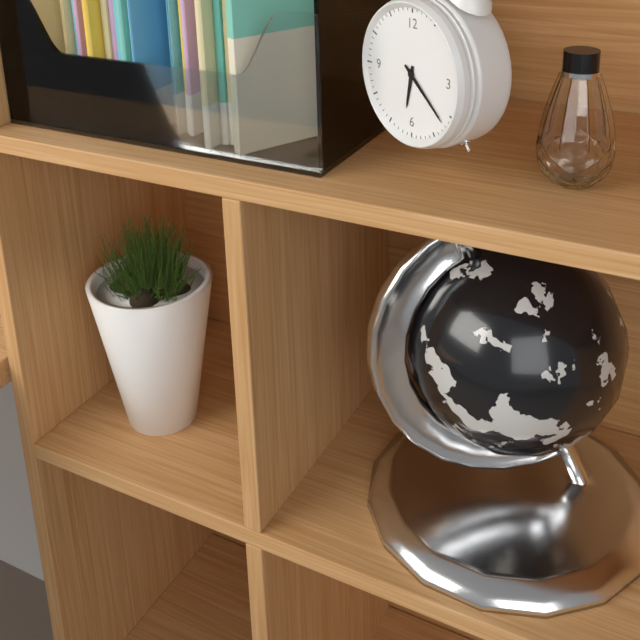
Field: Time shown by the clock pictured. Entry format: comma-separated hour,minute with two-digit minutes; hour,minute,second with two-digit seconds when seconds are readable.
6,22
